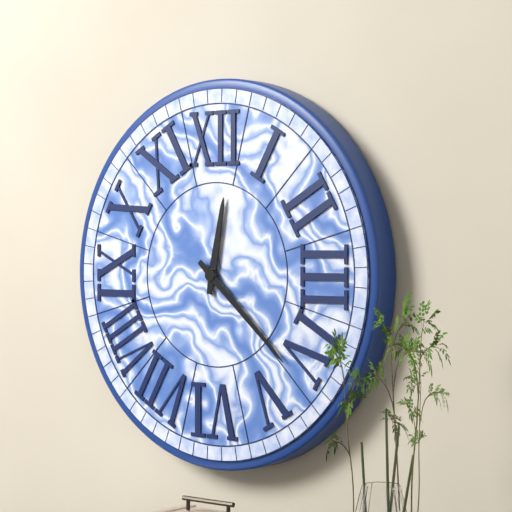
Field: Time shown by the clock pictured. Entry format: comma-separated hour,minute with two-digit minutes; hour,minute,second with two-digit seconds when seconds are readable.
12,22
